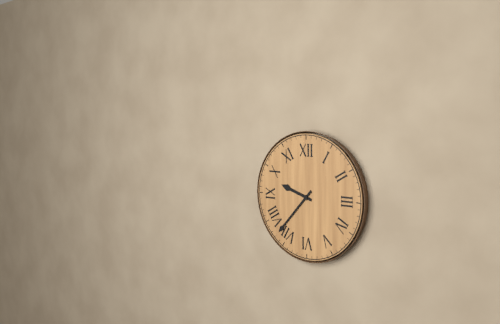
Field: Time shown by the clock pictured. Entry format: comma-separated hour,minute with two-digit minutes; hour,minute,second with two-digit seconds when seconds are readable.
9,37
